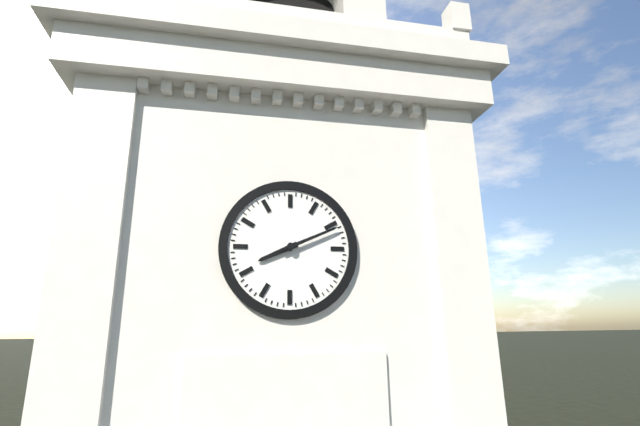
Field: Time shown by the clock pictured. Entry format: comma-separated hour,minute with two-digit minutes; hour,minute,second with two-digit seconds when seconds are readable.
8,11
